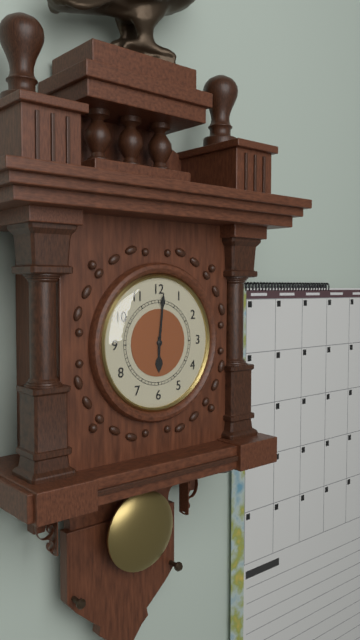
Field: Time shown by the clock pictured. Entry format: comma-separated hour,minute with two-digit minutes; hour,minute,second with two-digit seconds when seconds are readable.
6,01
